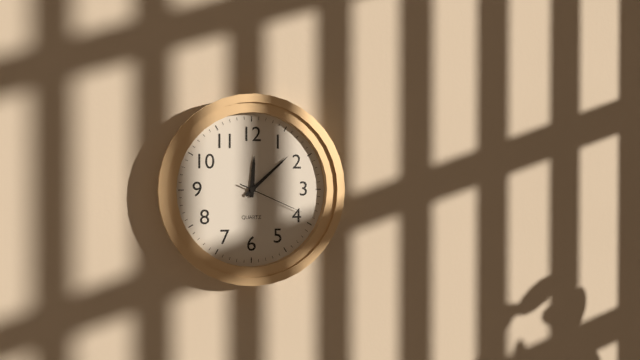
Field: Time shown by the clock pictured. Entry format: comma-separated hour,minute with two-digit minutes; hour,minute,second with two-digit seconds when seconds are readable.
12,08,19
